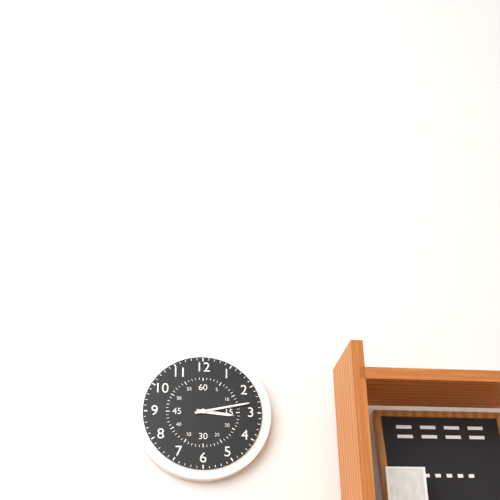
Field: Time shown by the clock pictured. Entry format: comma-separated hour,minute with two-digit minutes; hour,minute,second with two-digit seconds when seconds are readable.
3,13
